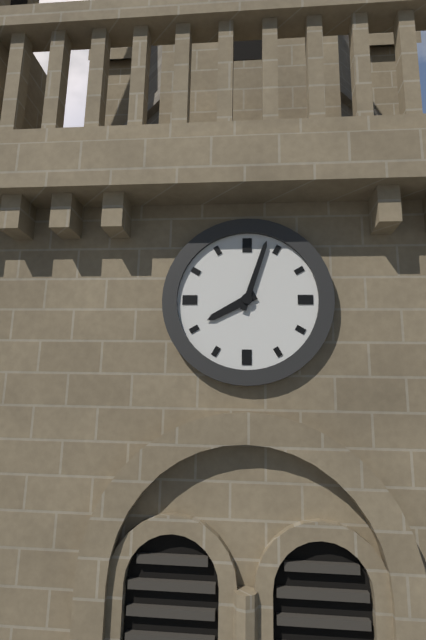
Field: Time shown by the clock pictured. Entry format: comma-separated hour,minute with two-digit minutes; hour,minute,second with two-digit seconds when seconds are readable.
8,03
